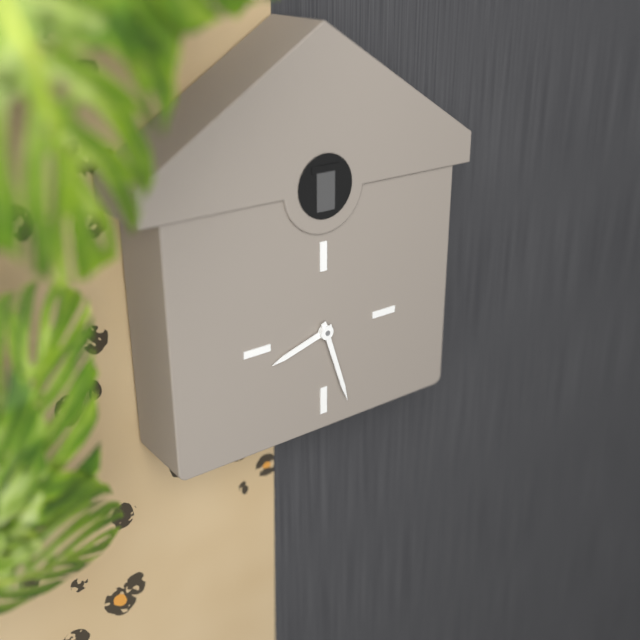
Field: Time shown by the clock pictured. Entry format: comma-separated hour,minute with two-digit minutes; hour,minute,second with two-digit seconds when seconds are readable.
8,27
